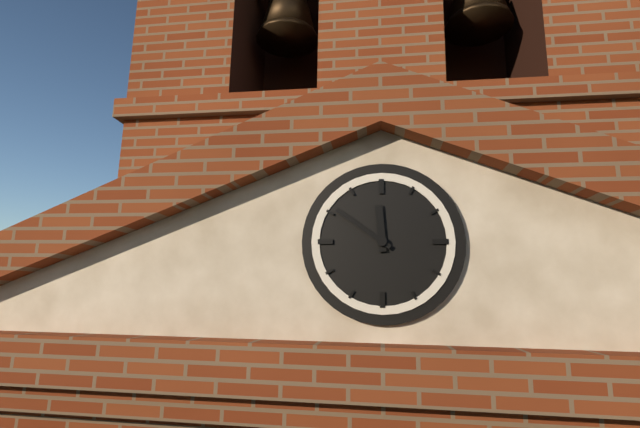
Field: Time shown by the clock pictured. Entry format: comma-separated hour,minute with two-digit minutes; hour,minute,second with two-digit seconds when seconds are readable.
11,51
